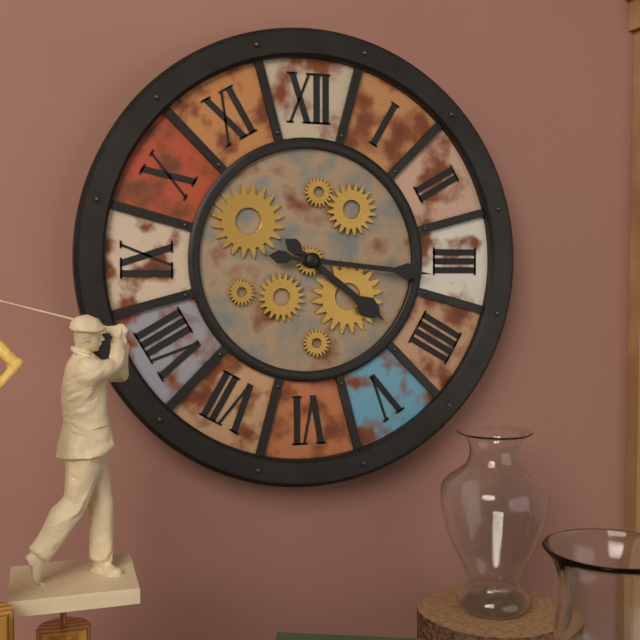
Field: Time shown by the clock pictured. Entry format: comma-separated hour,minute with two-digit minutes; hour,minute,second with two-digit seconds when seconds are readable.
4,16
